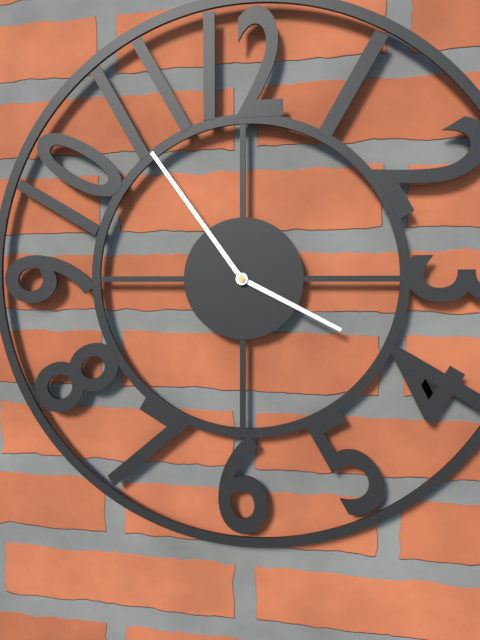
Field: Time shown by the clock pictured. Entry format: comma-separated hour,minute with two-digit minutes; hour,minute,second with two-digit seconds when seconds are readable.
3,54
